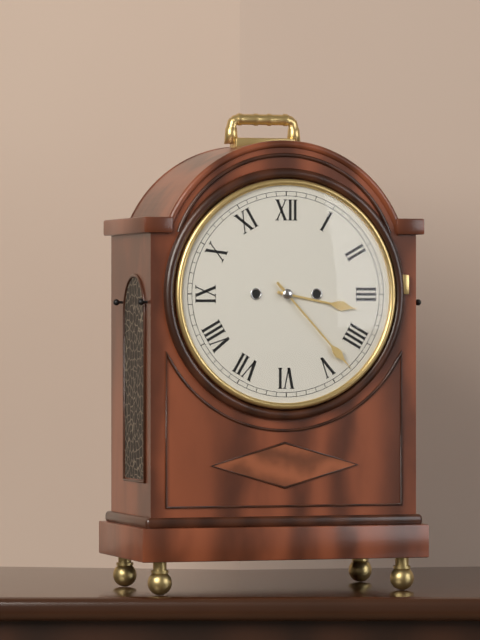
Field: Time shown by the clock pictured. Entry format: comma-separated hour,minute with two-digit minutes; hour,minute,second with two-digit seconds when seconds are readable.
3,23
